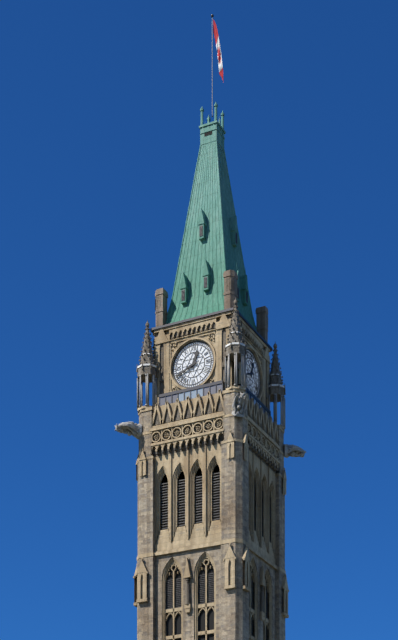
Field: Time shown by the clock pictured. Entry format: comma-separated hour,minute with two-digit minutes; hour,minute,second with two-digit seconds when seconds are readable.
12,41
